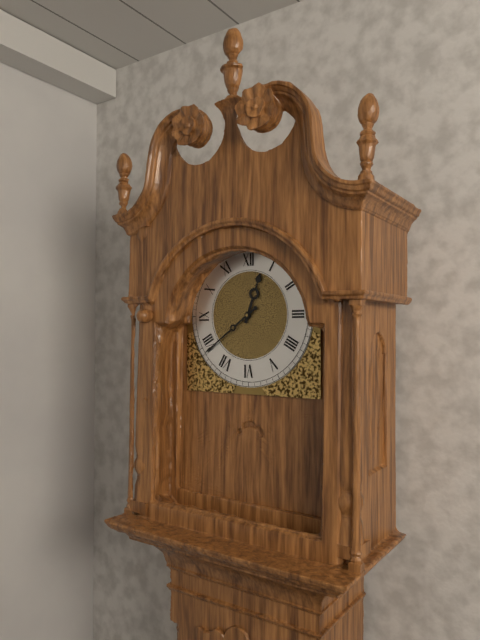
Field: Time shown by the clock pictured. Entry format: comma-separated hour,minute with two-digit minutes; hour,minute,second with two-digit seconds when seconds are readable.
12,39
